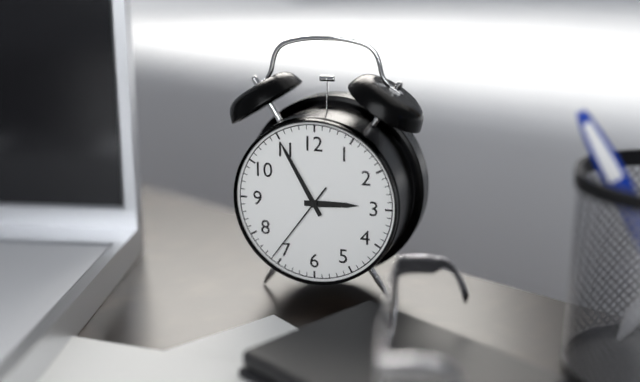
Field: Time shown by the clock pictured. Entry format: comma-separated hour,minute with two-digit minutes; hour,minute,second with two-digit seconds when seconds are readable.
2,55,36
